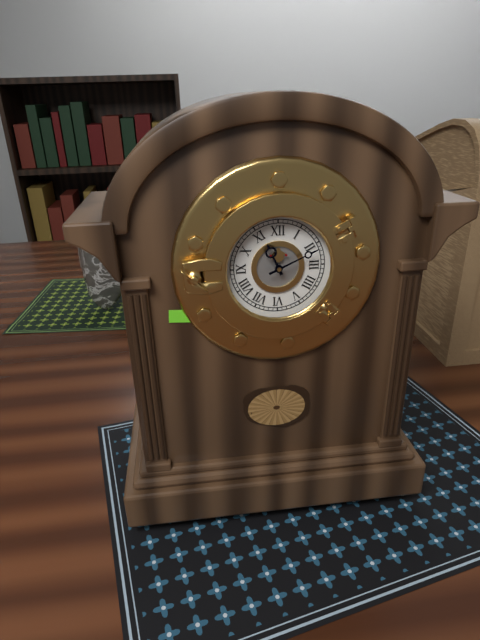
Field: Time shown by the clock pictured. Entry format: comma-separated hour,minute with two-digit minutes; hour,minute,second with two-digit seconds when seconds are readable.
11,11
